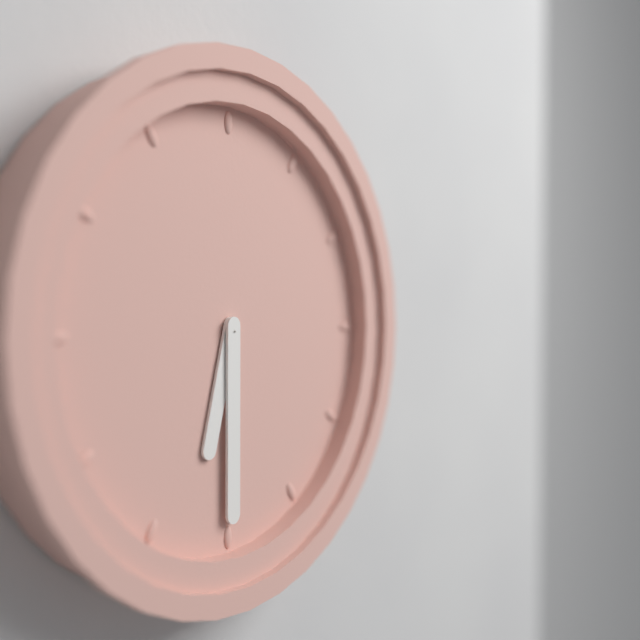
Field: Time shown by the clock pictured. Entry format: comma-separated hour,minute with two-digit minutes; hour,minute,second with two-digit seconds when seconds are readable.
6,30
